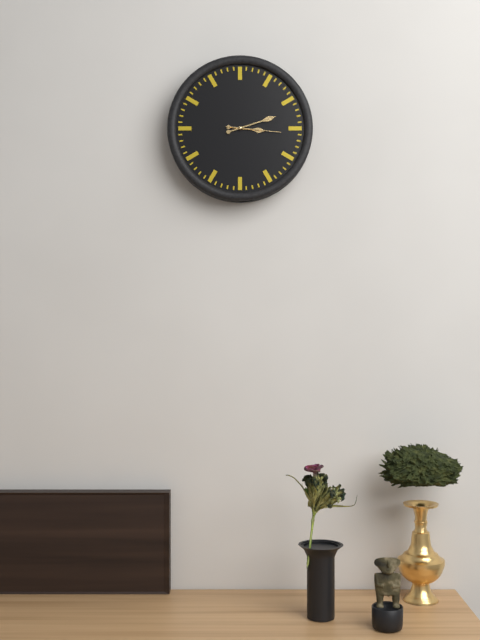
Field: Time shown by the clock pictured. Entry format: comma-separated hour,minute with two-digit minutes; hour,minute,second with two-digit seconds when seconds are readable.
3,12,16
